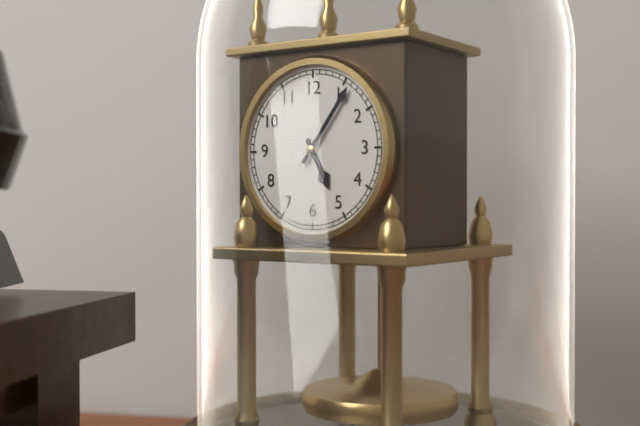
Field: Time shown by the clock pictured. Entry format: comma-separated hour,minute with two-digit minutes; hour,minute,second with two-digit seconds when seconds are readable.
5,06
